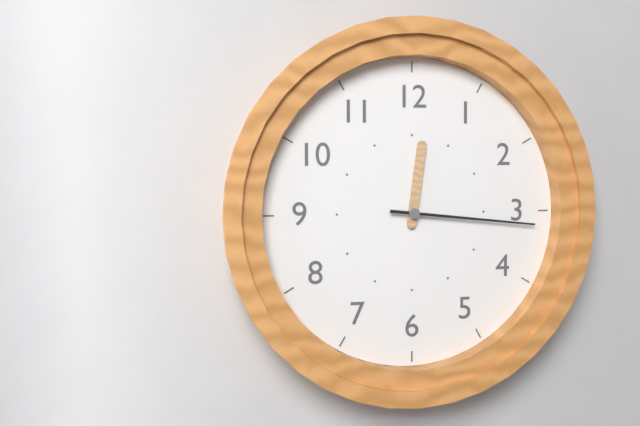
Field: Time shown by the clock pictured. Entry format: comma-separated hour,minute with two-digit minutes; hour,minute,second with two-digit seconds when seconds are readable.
12,16
